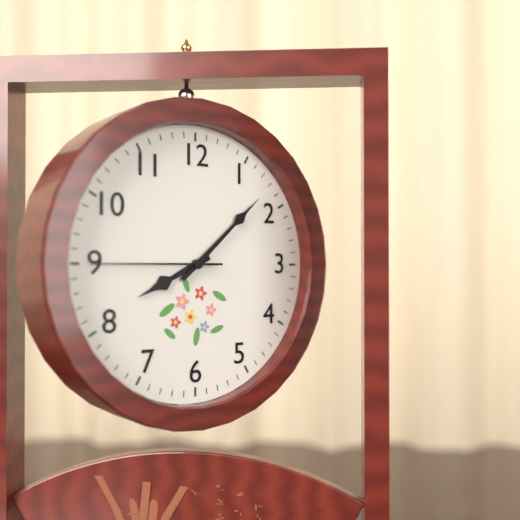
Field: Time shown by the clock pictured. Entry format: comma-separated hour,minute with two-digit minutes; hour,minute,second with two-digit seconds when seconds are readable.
8,08,45
